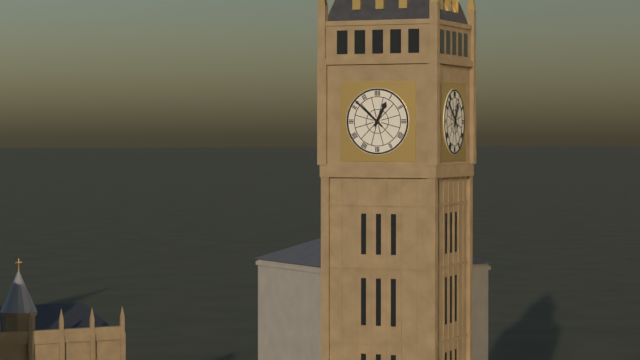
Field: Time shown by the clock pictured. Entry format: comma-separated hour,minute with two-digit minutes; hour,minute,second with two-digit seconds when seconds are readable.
12,52
